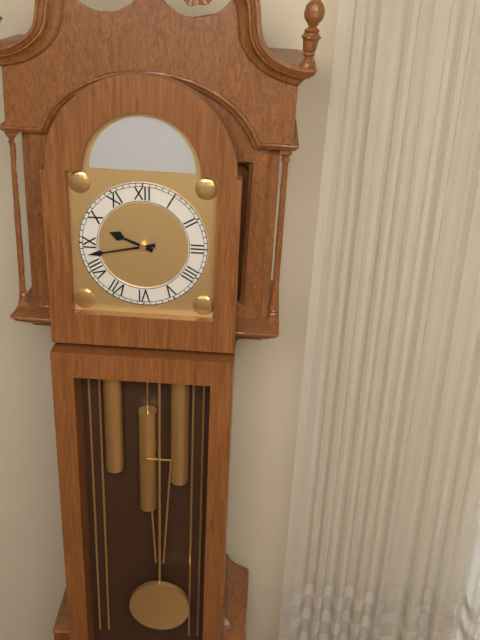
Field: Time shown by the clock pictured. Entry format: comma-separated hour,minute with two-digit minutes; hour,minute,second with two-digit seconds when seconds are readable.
9,43
